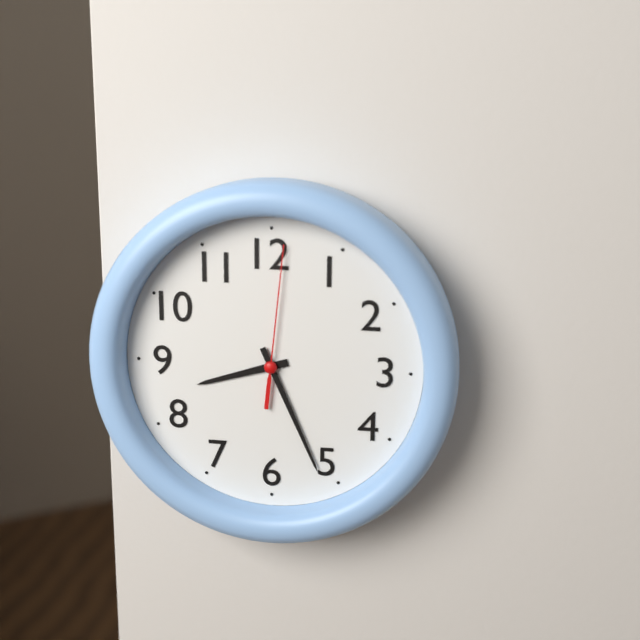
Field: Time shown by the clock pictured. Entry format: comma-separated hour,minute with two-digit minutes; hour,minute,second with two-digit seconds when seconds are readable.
8,26,01
